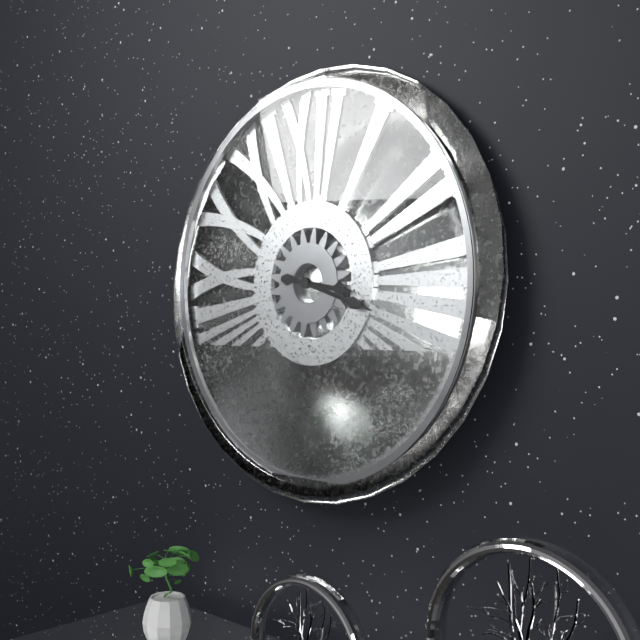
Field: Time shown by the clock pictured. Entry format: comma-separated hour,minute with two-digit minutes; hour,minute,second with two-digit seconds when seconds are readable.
3,18
